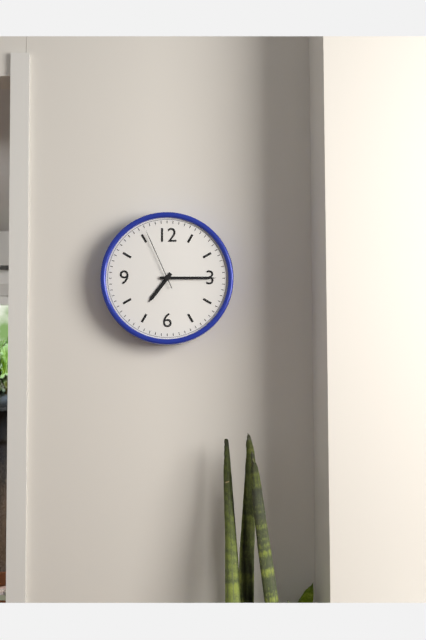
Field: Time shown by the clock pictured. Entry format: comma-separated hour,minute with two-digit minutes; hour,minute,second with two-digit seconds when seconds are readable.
7,15,56
